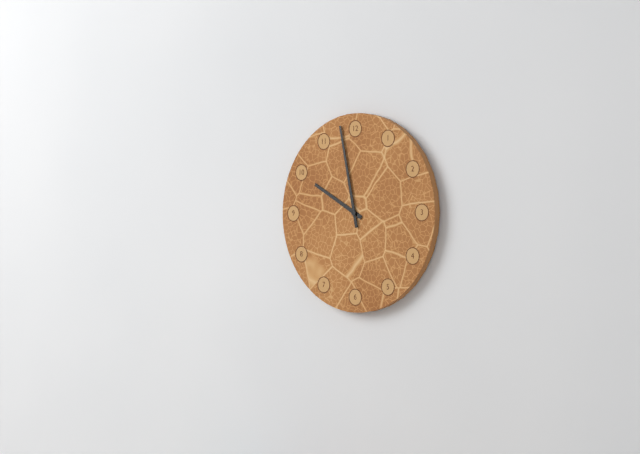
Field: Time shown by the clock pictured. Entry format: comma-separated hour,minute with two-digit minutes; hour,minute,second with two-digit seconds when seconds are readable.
9,58
